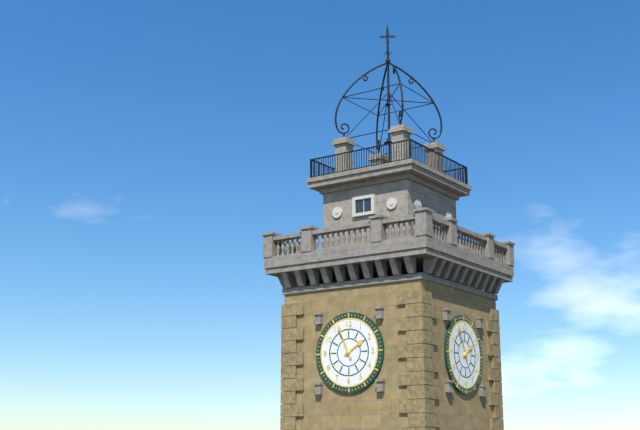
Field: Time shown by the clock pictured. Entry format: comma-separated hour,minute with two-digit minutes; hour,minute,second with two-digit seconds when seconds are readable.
1,56
